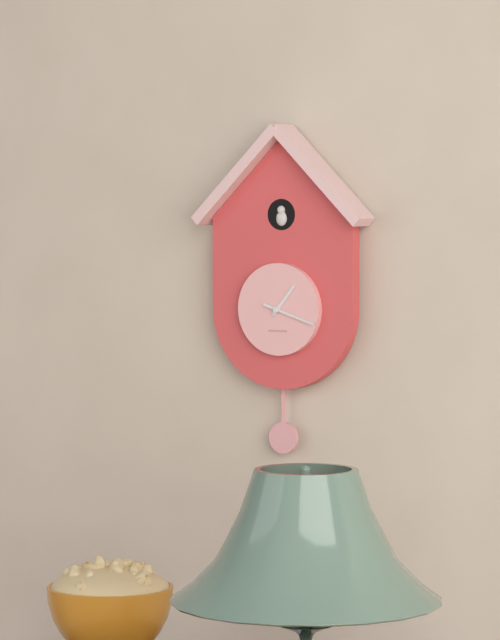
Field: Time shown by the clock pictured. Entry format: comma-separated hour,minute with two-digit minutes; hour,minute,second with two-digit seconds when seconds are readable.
1,18
